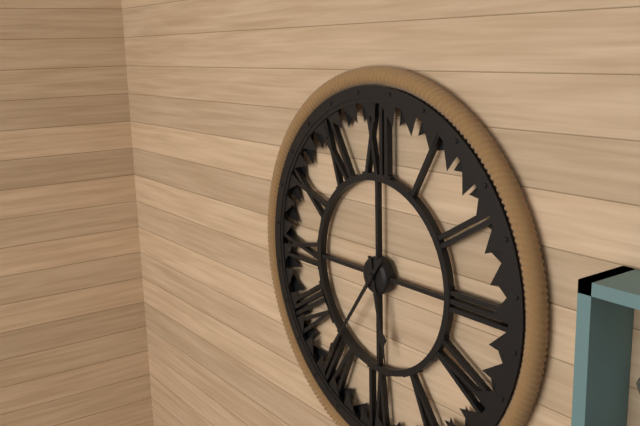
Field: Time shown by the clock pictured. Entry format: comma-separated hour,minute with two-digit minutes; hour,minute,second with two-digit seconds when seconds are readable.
5,36
